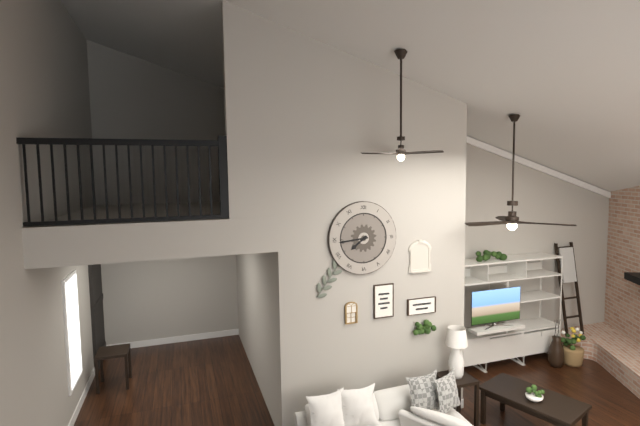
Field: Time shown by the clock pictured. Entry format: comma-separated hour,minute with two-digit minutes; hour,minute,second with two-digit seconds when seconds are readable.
7,44
